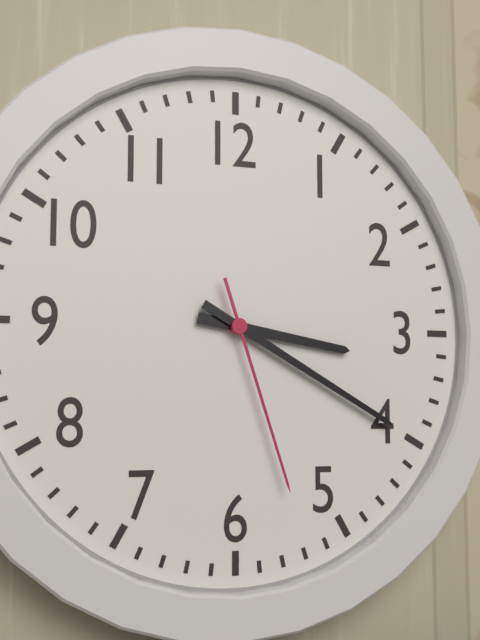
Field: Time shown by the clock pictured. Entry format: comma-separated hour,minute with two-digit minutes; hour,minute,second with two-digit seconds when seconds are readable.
3,20,27
